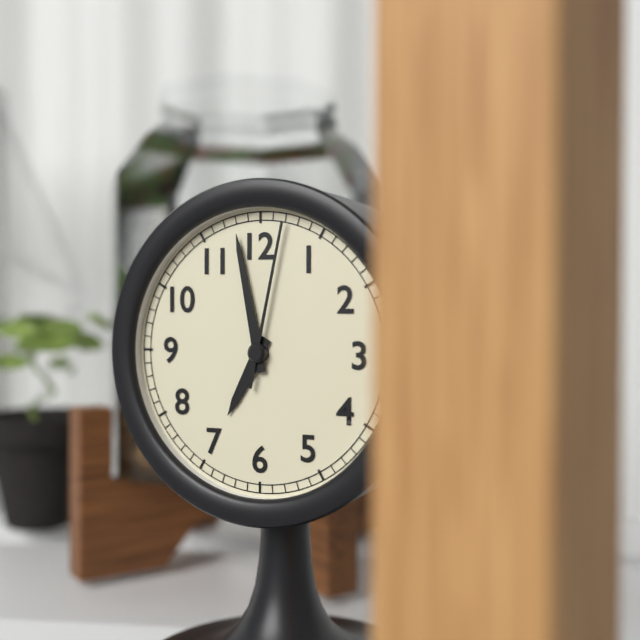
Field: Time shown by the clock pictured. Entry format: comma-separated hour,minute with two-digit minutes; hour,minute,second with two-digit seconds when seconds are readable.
6,58,02
